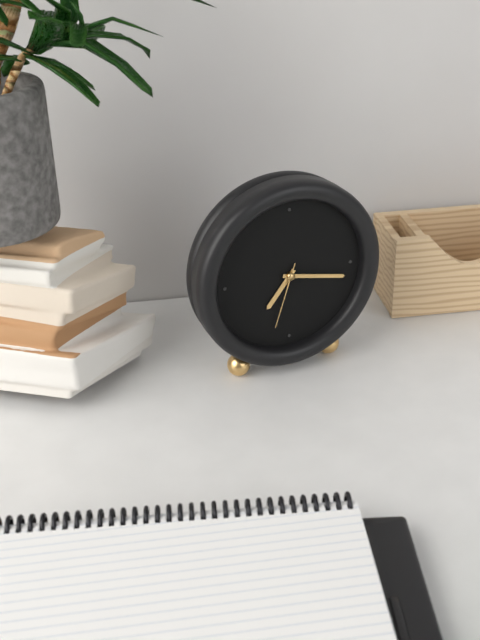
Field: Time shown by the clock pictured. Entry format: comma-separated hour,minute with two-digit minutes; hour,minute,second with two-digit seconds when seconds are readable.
7,17,33
